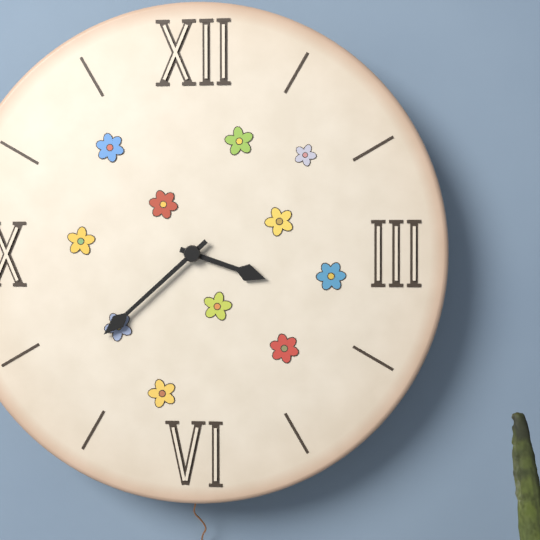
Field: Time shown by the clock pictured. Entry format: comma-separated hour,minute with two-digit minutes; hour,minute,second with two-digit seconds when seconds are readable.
3,38
